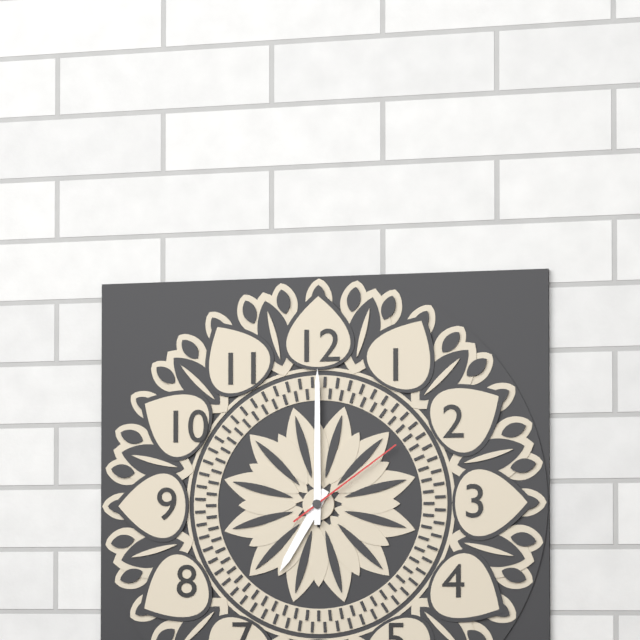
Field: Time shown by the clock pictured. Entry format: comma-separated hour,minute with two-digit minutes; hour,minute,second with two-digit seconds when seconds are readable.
7,00,09
